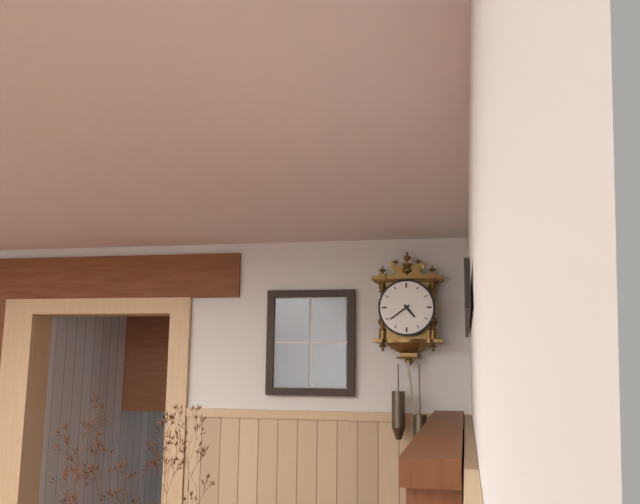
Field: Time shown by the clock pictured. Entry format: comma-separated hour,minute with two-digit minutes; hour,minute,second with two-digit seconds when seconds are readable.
4,39
